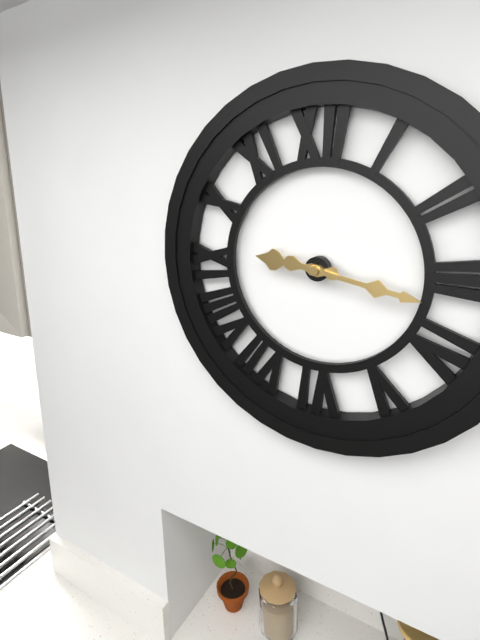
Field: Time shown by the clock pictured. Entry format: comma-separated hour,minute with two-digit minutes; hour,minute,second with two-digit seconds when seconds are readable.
9,17
